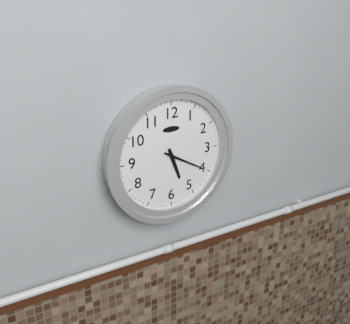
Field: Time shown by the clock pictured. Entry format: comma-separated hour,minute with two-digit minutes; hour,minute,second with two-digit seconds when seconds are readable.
5,20
